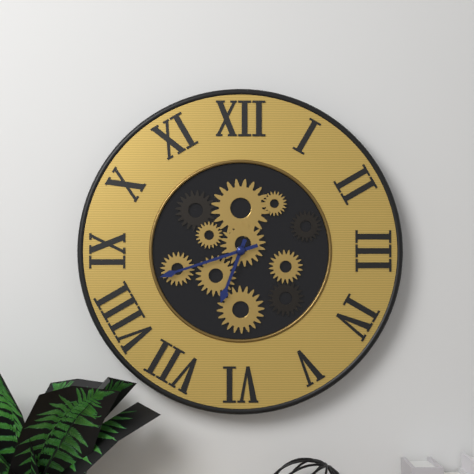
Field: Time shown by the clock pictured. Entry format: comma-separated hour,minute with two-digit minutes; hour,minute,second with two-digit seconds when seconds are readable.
6,42
